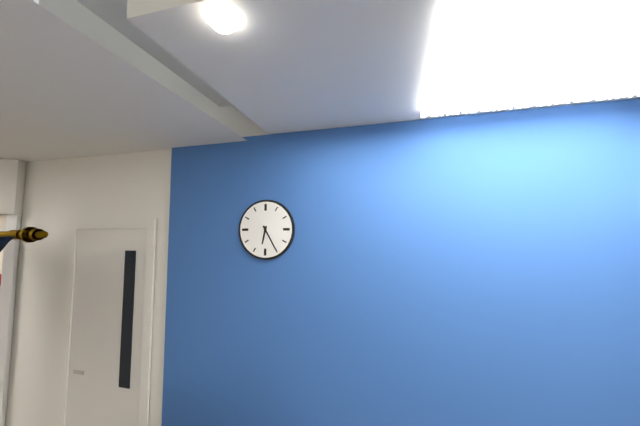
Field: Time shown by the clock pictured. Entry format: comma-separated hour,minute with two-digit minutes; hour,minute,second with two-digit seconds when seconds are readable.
6,25
